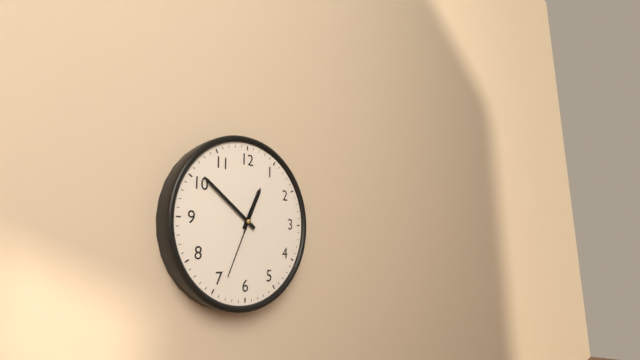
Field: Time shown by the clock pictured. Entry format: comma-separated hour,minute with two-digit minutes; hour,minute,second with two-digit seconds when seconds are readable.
12,51,34
